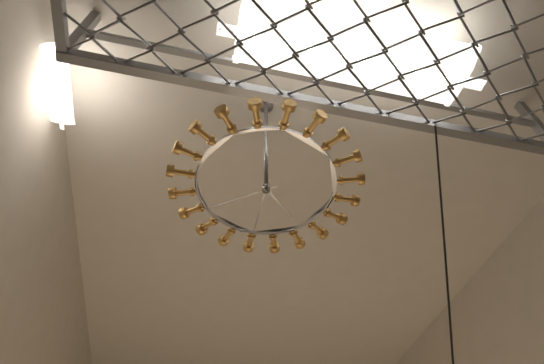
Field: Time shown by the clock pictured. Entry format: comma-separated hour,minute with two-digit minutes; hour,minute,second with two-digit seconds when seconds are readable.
4,30,39
